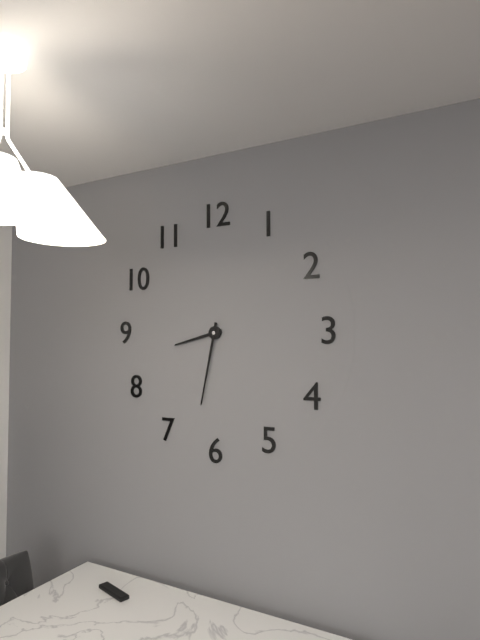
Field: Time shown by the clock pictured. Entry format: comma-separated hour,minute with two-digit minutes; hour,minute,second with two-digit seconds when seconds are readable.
8,32
